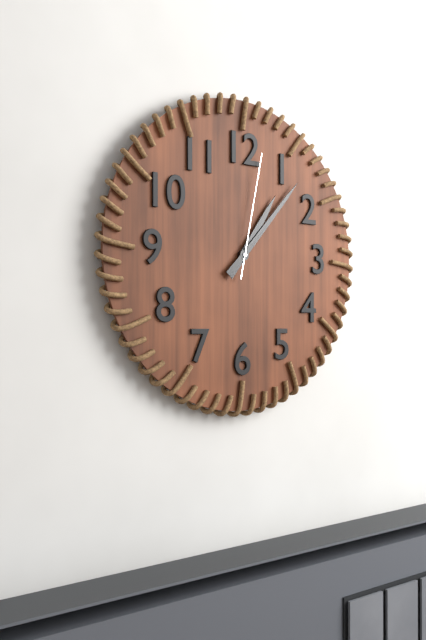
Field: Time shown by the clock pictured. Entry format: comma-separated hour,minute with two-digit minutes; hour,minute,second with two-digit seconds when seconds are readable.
1,07,02
